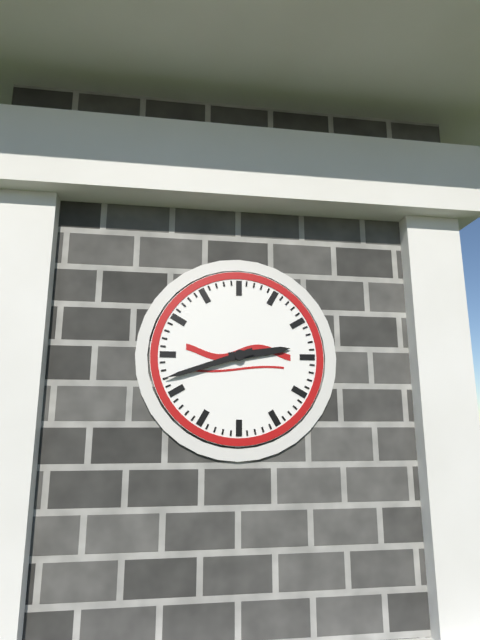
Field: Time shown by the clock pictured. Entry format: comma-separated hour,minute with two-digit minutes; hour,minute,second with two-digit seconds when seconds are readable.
2,42
